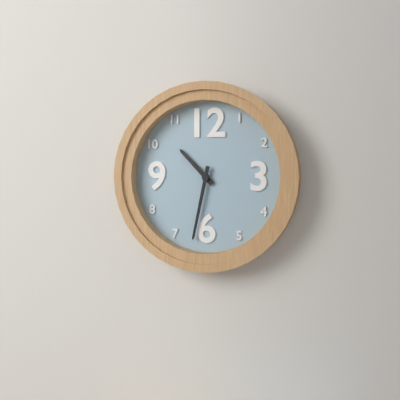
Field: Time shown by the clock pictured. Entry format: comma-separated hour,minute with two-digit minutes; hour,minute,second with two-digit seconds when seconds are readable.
10,32
